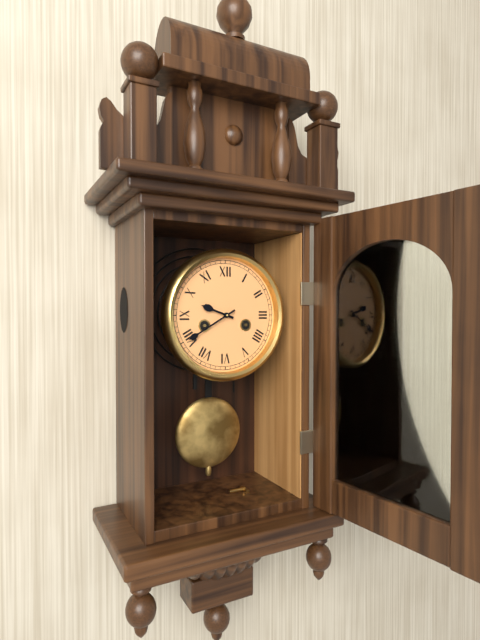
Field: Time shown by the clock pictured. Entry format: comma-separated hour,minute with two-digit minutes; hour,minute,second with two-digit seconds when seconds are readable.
9,40
